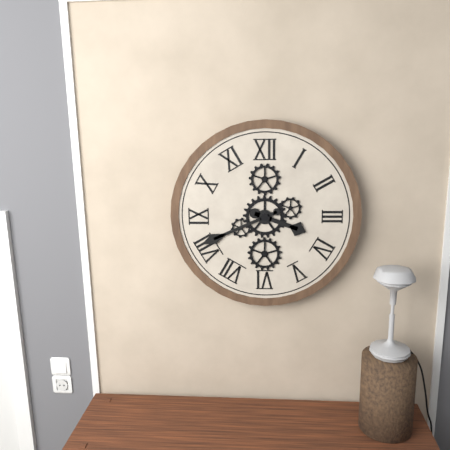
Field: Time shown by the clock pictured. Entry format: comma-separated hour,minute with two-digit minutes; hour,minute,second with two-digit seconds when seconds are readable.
3,41
